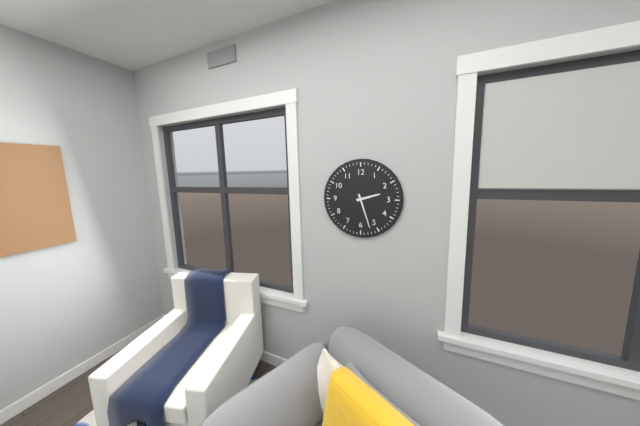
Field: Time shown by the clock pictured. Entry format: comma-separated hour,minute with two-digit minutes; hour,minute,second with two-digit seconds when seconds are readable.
2,27
